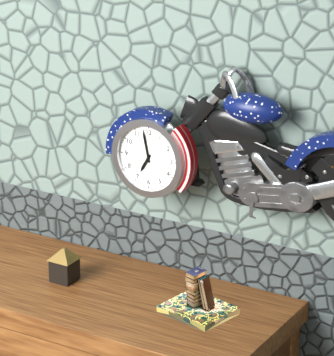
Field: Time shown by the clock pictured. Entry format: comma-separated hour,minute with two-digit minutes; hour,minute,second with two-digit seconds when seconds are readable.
6,58
